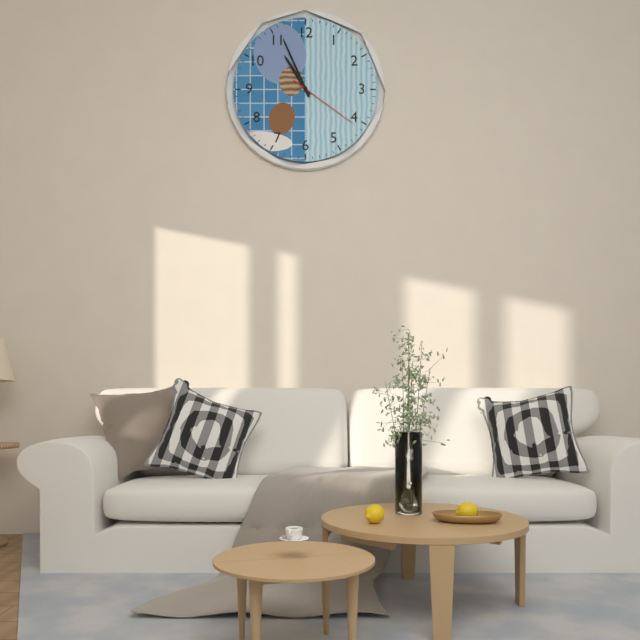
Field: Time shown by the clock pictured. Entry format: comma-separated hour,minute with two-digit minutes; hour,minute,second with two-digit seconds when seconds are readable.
10,56,21
